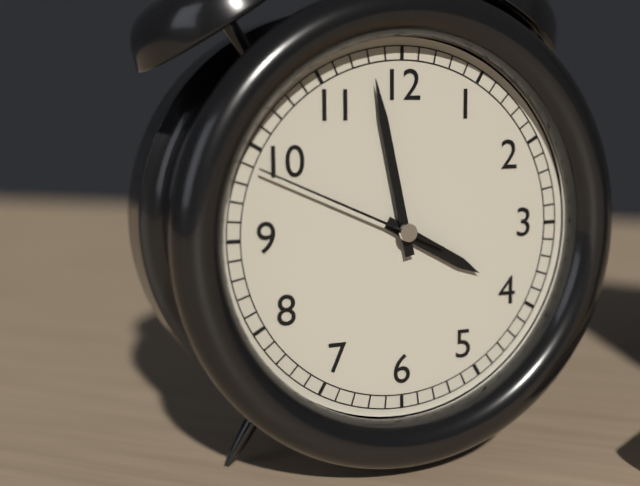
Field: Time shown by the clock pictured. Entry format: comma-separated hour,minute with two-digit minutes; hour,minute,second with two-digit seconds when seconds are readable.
3,58,49
